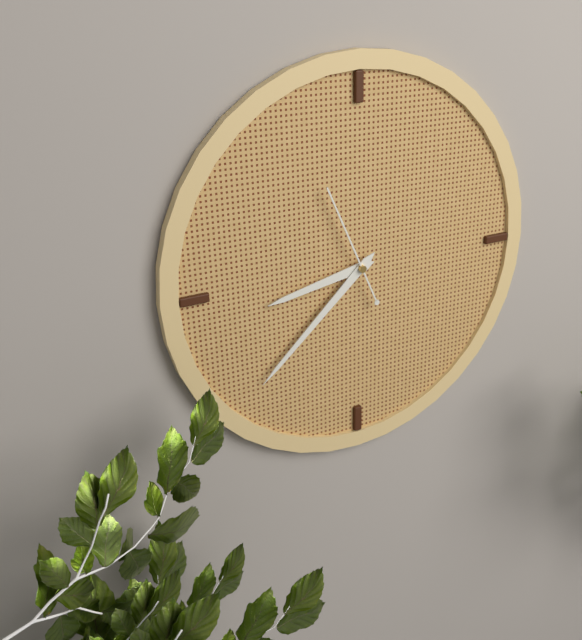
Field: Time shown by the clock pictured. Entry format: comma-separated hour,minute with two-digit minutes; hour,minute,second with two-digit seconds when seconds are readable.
8,38,56
